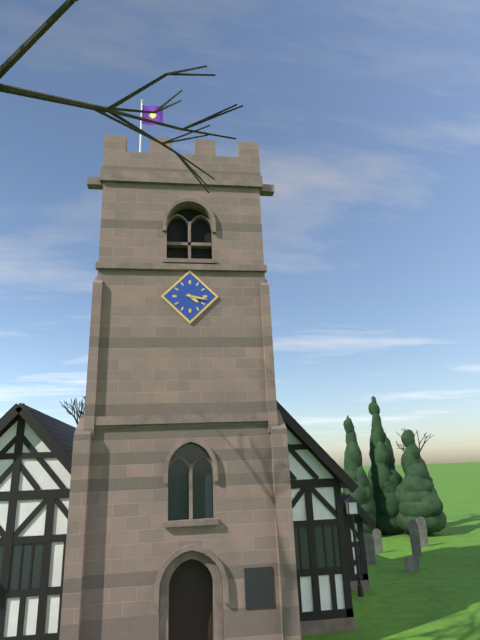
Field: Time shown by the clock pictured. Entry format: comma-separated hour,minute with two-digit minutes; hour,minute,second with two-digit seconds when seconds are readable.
4,17
